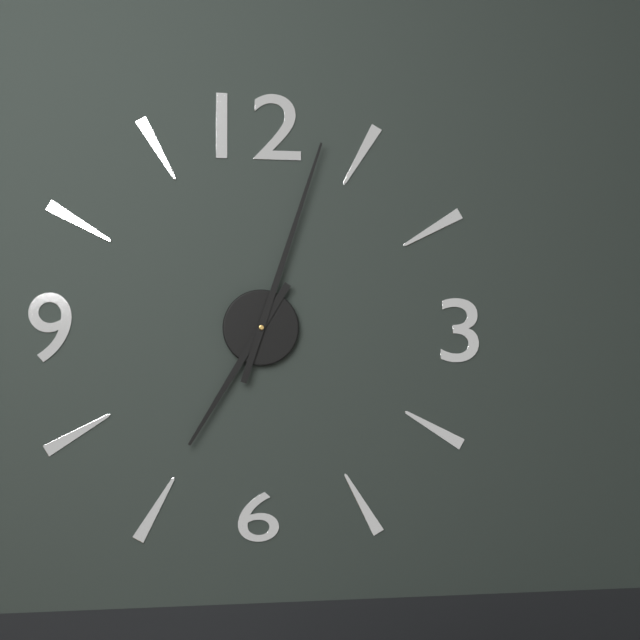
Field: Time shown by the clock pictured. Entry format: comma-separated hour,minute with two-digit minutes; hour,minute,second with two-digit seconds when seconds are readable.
7,03
